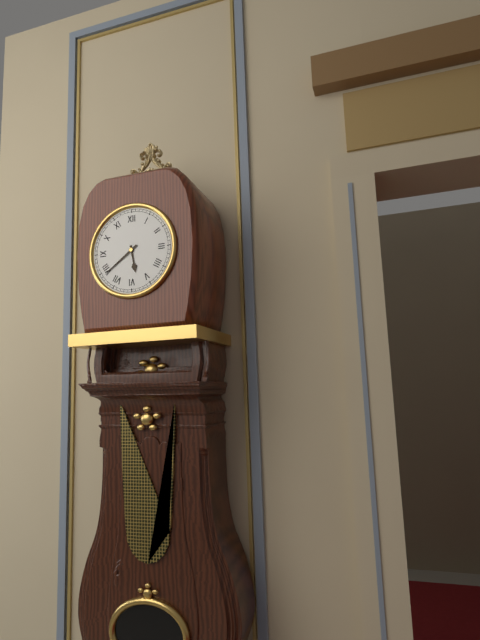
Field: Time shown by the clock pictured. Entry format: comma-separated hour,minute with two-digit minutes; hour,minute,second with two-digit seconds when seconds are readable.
5,39
